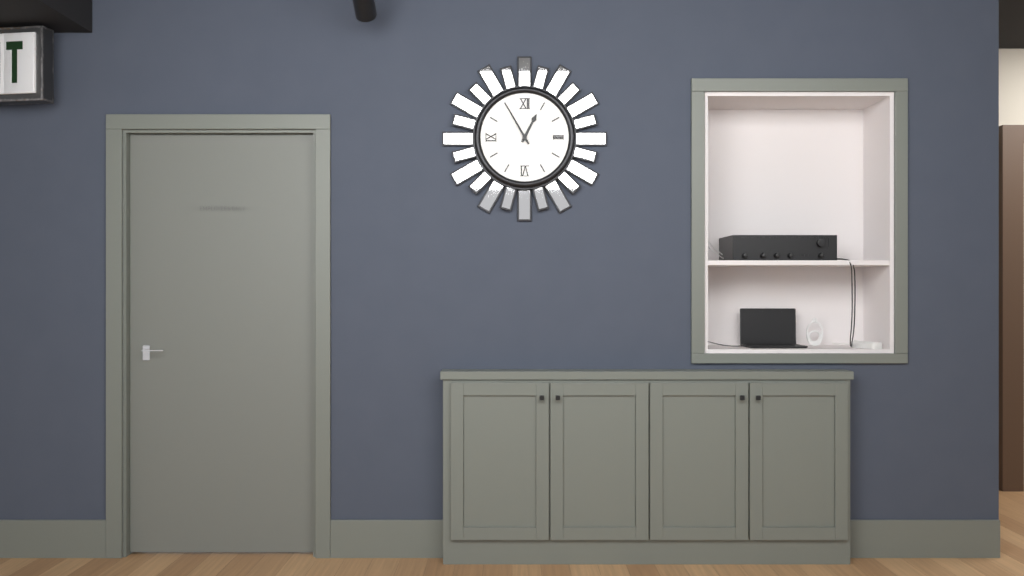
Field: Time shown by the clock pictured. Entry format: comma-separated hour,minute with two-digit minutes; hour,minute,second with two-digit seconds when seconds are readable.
12,55
